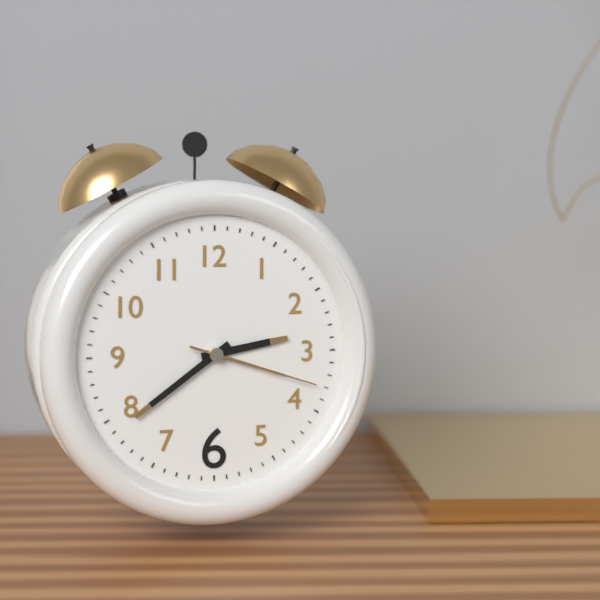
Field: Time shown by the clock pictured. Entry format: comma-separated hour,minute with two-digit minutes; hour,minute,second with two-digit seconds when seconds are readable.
2,39,18
